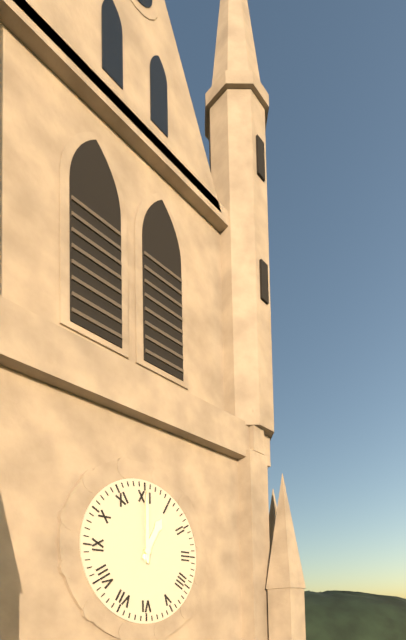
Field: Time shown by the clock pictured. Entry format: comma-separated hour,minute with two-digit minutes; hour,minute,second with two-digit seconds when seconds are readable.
1,00
